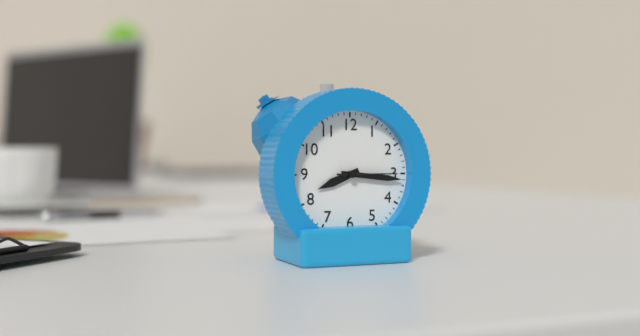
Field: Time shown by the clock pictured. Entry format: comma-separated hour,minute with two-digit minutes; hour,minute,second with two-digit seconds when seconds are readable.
8,16,15
